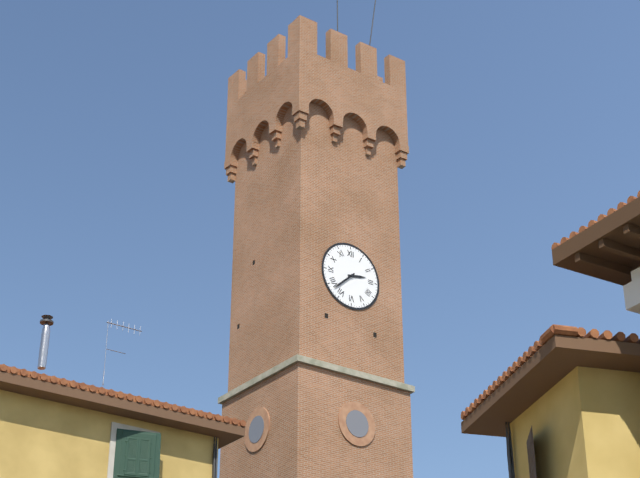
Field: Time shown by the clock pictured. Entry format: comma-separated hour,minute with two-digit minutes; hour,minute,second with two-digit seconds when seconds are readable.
2,38
